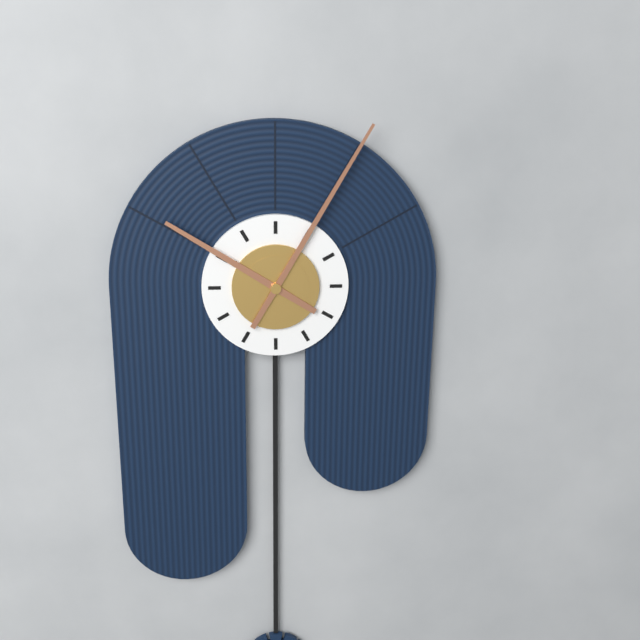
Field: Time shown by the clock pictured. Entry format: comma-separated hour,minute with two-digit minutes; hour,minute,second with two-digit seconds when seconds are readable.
10,05
